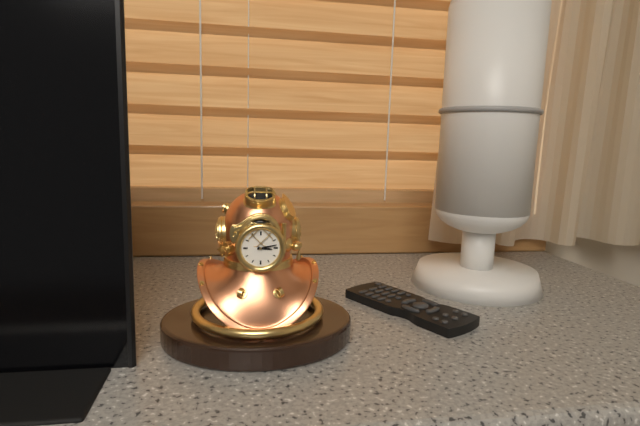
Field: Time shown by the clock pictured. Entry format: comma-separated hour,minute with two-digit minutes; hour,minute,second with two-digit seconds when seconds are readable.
3,13
